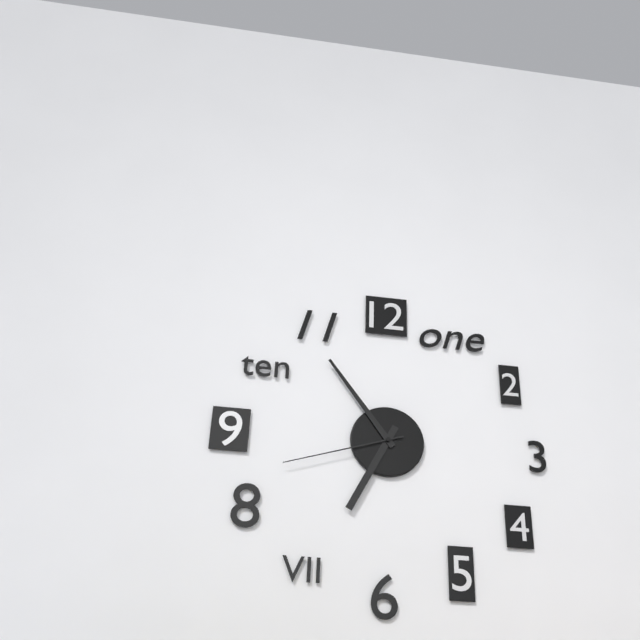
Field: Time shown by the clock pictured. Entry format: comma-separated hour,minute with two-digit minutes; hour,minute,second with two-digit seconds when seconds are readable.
6,54,42
